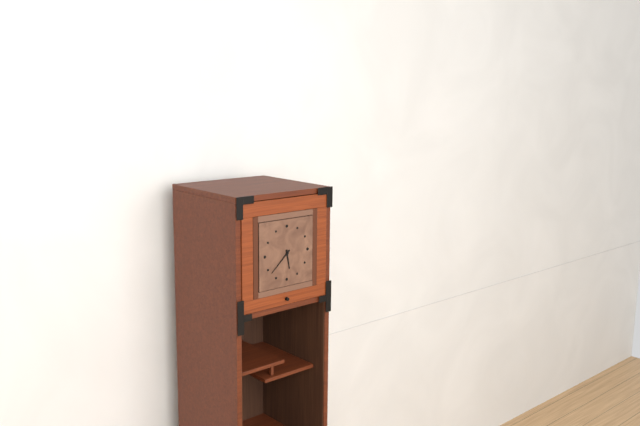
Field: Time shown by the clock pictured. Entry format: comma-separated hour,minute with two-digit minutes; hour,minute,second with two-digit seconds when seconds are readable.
5,38
